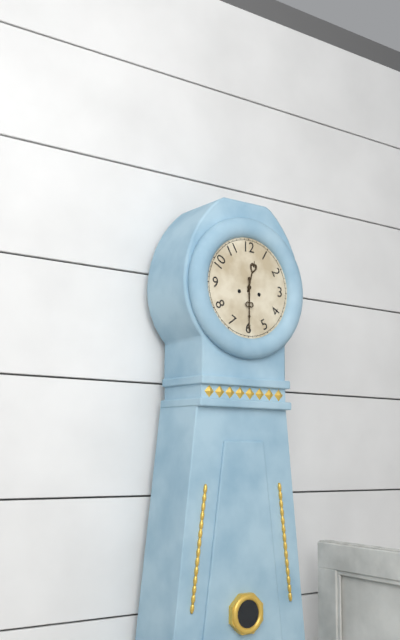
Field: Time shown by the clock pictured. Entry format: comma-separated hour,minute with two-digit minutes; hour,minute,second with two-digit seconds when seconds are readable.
12,30
